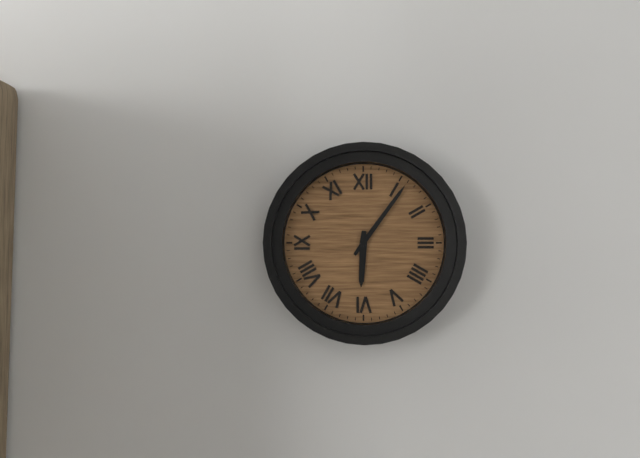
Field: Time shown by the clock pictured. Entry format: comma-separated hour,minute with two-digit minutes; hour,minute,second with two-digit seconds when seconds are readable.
6,06
